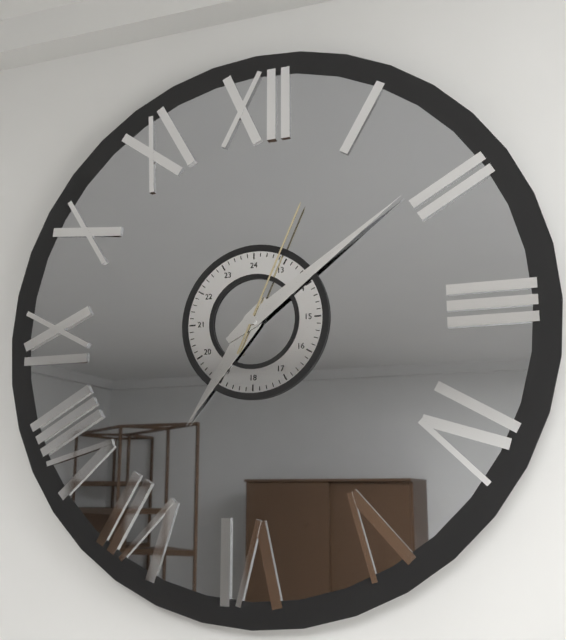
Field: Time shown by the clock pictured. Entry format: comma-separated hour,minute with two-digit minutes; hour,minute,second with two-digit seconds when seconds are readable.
7,09,04
